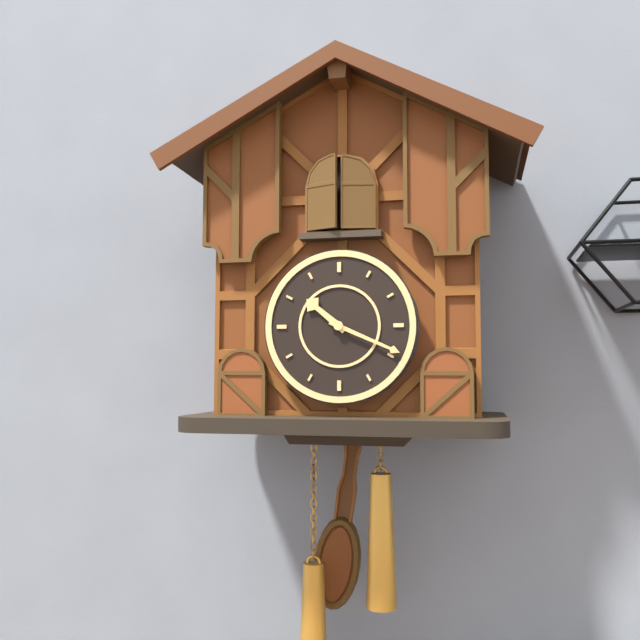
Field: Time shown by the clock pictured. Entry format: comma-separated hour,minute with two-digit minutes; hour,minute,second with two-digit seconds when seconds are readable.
10,19
